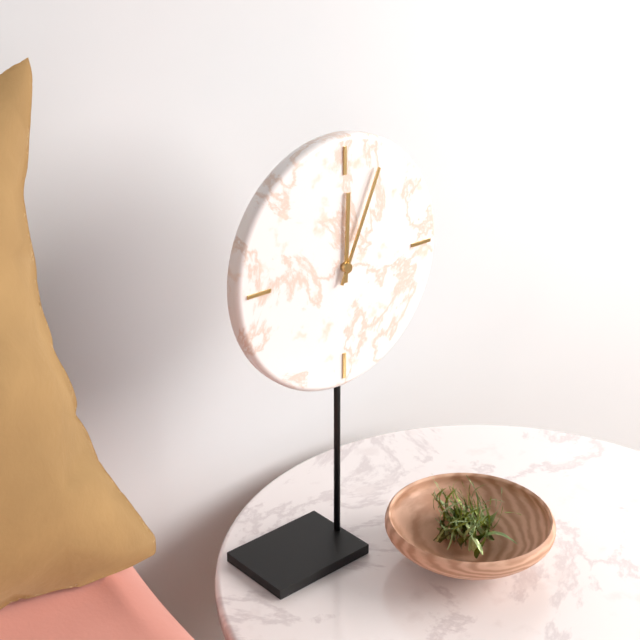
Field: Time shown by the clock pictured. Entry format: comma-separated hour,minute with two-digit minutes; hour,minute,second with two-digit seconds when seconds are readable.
12,04
